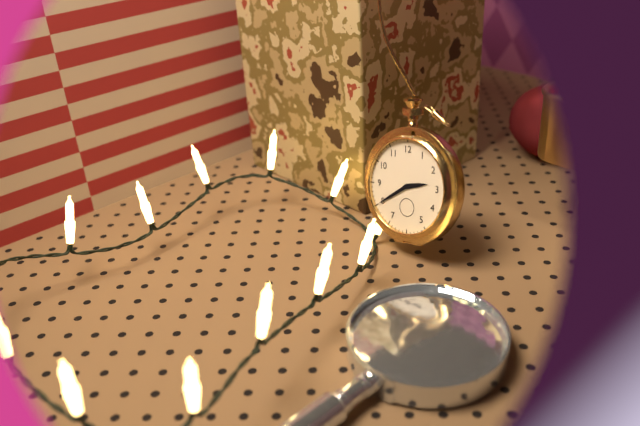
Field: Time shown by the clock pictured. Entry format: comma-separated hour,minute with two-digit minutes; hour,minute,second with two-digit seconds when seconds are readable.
2,40
